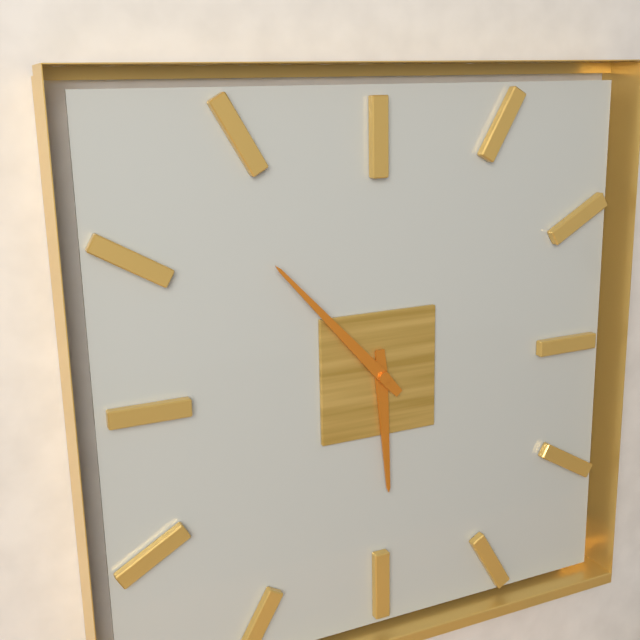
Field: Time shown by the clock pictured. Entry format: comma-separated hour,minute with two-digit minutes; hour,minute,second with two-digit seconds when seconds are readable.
5,53
